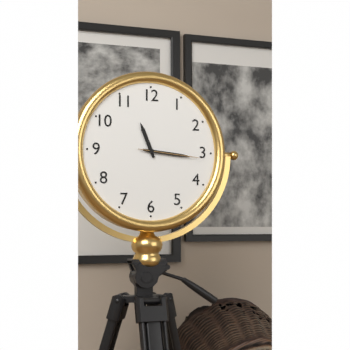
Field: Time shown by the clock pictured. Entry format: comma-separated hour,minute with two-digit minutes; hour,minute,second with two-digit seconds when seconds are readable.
11,16,16
